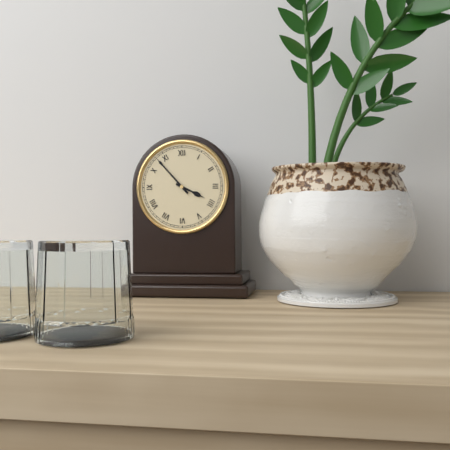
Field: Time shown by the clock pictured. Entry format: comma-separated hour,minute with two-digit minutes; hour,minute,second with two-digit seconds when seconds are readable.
3,53
